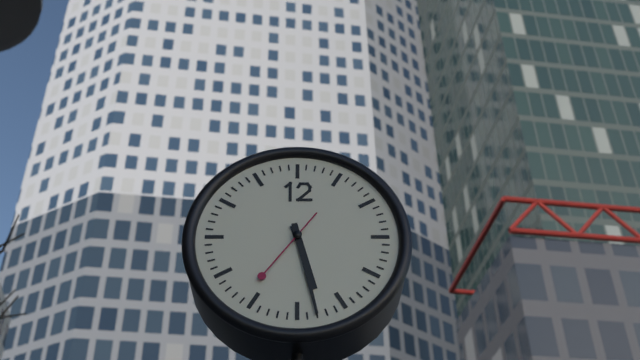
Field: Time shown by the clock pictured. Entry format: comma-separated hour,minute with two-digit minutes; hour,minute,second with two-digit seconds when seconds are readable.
5,28,36
